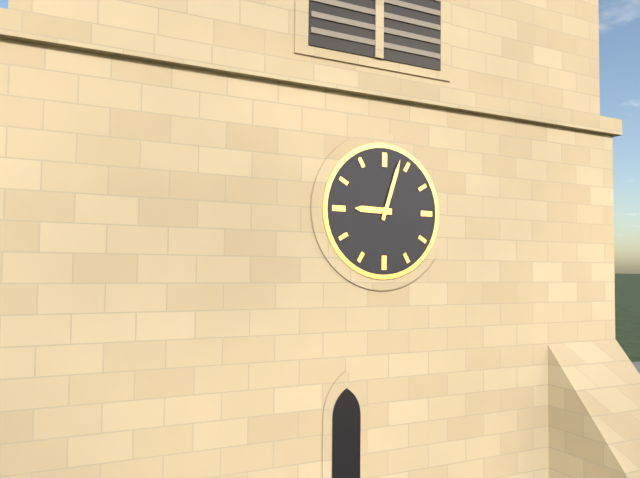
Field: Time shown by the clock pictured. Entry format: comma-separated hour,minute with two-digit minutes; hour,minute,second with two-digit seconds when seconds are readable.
9,03
